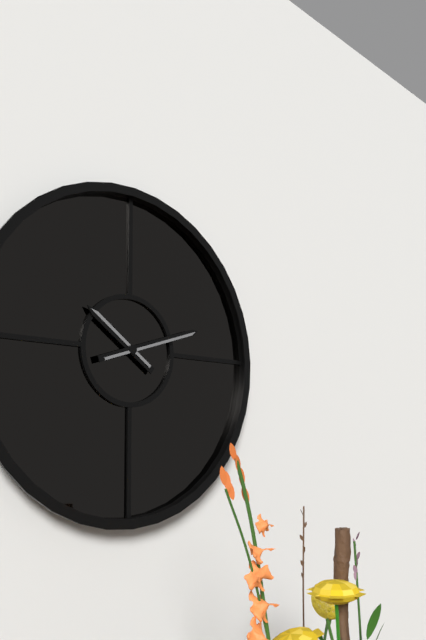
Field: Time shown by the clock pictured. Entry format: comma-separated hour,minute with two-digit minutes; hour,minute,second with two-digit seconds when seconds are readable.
10,12
